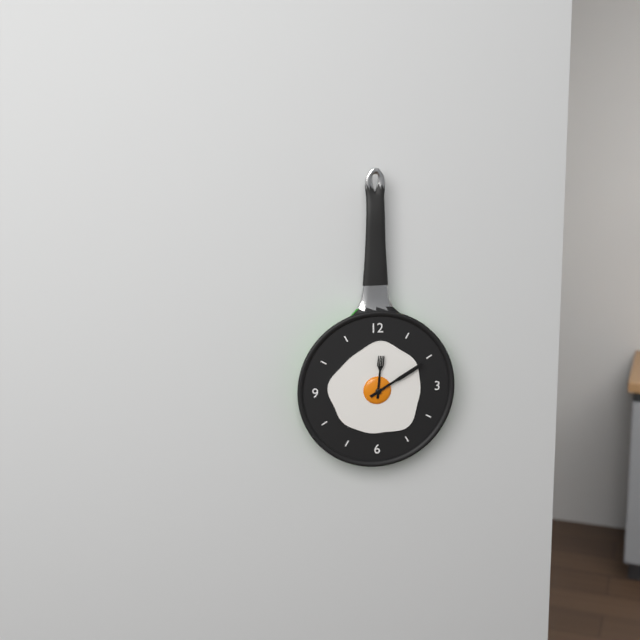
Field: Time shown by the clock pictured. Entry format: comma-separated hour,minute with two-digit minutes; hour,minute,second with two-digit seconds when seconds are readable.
12,10
